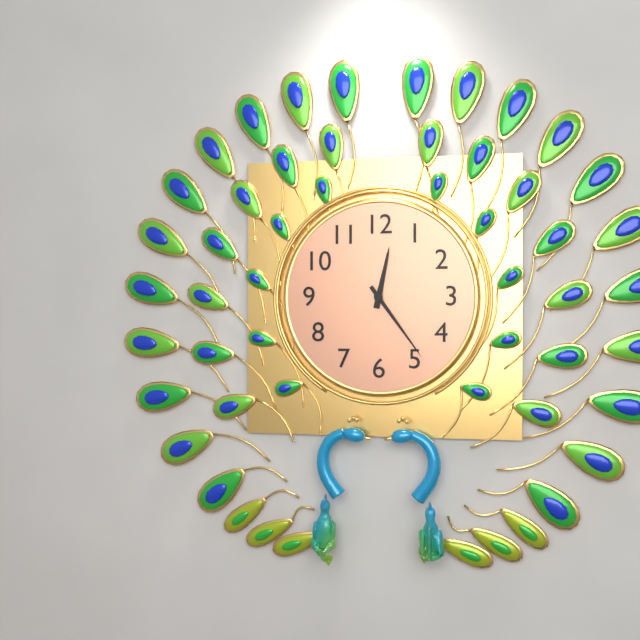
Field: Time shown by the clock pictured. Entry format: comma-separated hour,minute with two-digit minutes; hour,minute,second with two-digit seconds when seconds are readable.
12,24
